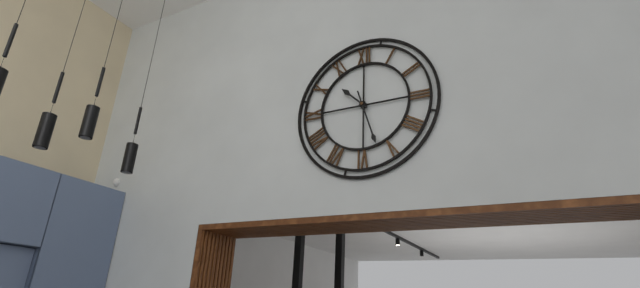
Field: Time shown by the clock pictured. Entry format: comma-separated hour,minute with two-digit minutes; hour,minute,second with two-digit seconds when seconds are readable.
10,27
